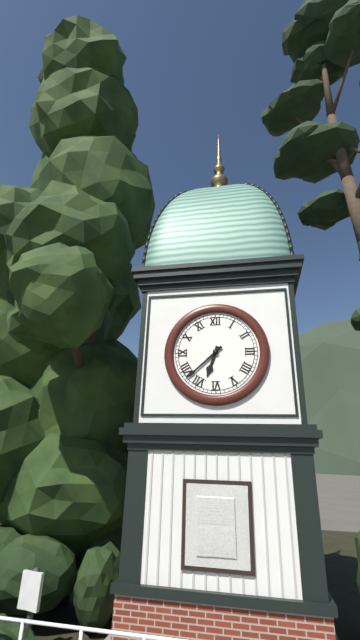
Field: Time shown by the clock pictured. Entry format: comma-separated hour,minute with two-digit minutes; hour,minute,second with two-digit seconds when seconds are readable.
6,38
